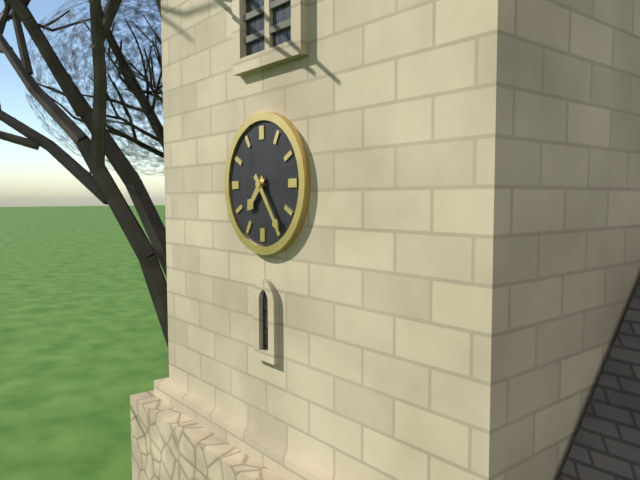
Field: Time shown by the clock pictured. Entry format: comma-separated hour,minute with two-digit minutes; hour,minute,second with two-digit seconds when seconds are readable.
7,24
